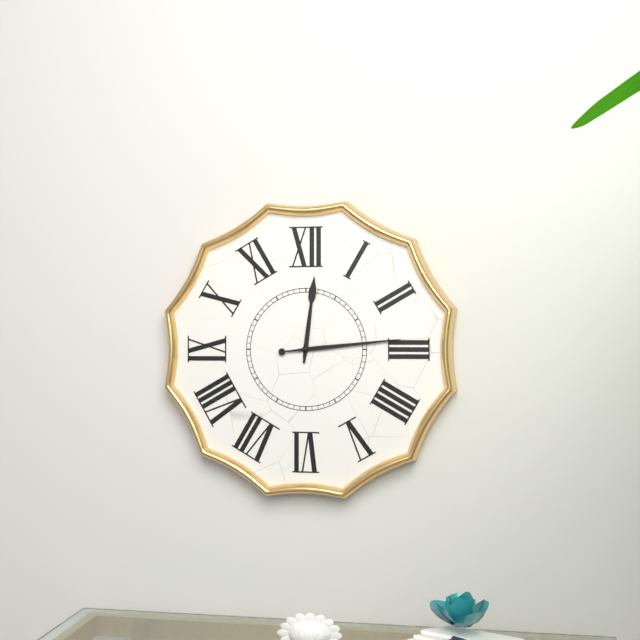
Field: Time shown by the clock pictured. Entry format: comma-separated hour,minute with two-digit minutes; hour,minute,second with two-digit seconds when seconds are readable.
12,14
